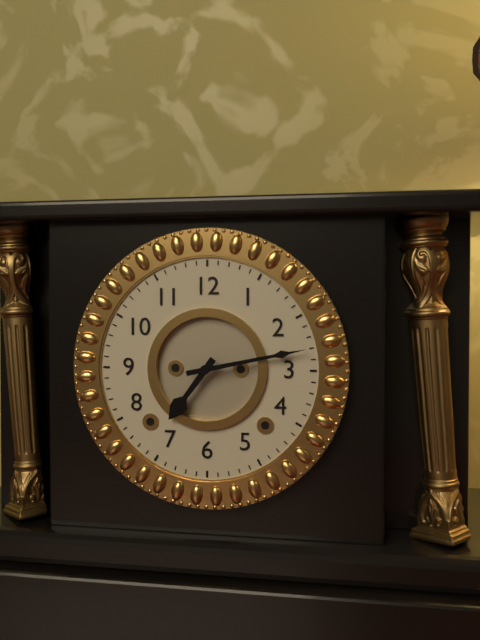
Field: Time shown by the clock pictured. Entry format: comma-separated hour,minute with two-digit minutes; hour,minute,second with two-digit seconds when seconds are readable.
7,13
